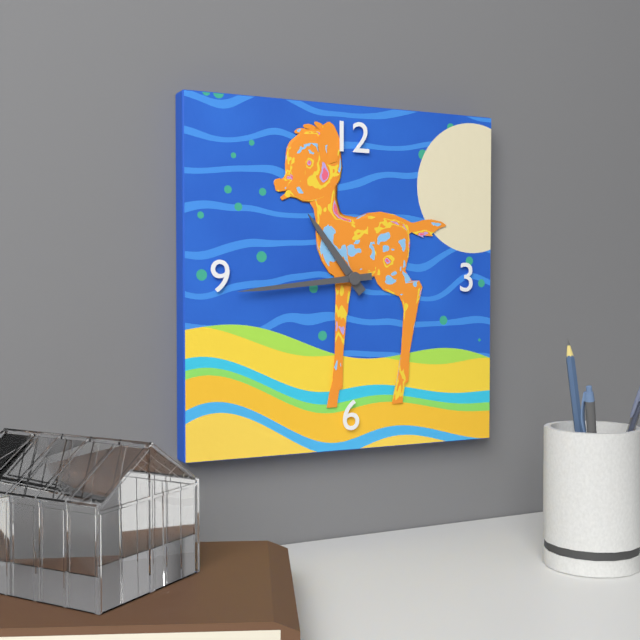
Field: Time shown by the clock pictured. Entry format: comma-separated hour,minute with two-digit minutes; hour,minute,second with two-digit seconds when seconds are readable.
10,44
